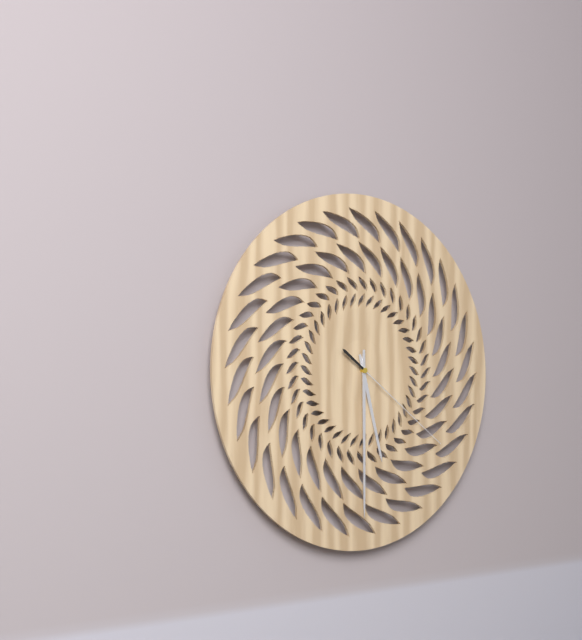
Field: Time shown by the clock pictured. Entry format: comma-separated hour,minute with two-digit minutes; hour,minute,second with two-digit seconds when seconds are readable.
5,30,21
